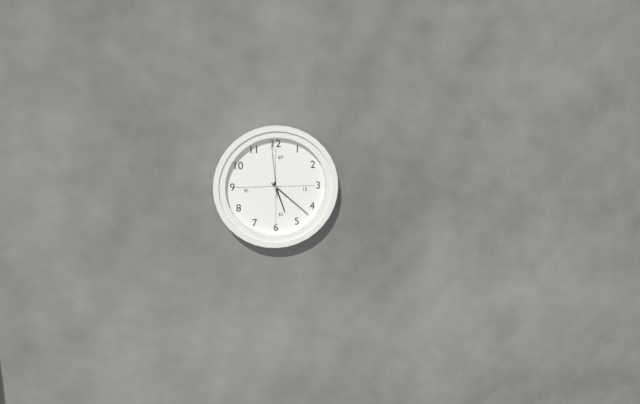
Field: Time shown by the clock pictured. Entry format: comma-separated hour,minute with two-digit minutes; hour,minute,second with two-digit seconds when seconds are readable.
5,22,59
